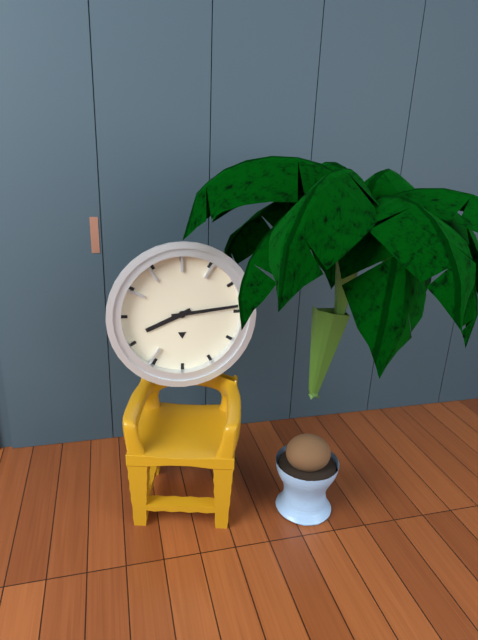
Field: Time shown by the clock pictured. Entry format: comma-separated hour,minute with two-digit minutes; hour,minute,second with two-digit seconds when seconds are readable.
8,14
